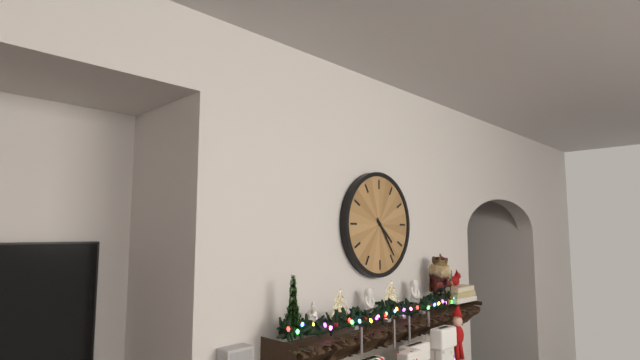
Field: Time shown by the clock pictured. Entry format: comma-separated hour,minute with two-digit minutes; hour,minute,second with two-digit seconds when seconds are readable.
4,24
